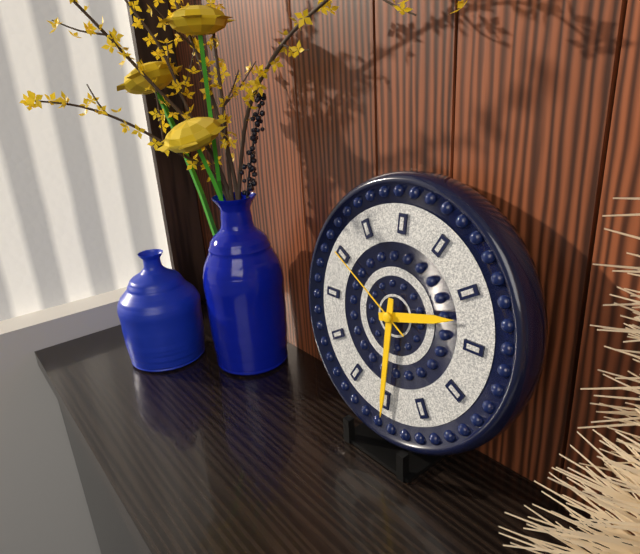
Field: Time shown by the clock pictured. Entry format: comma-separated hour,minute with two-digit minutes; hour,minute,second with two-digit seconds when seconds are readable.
2,30,50
